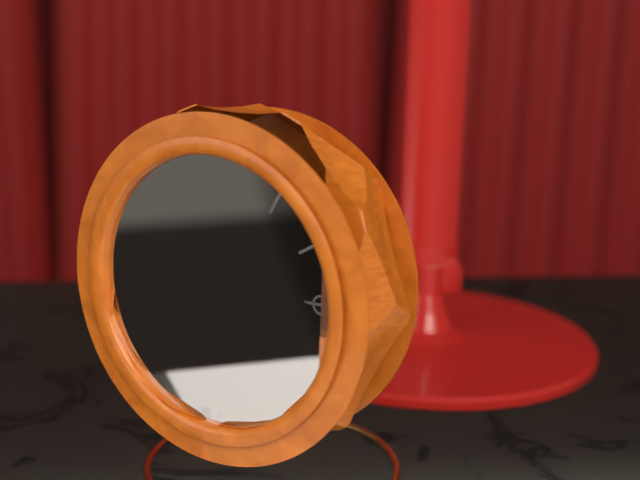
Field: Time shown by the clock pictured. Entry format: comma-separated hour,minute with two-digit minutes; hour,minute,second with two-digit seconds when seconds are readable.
6,20,40
